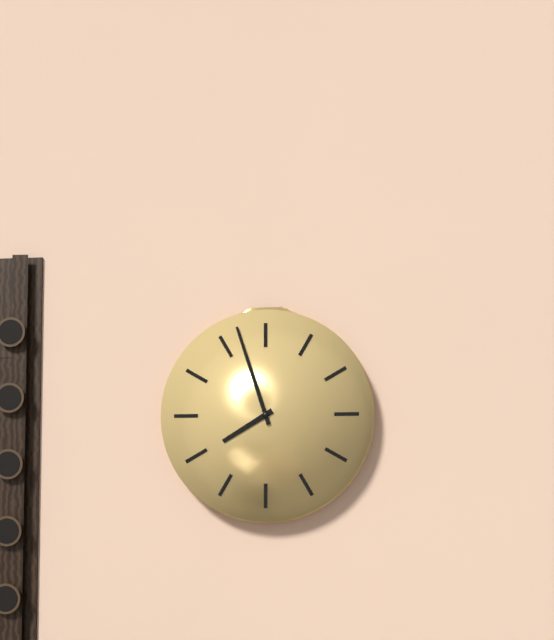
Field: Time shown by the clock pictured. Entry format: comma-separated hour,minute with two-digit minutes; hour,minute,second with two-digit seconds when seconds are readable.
7,57
